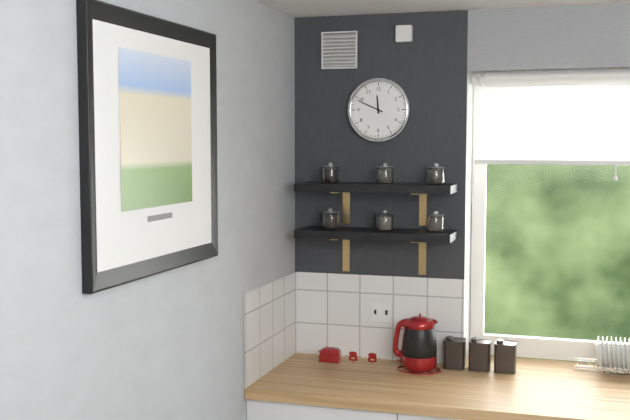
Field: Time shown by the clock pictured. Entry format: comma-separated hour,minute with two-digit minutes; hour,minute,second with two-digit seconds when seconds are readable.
11,49
